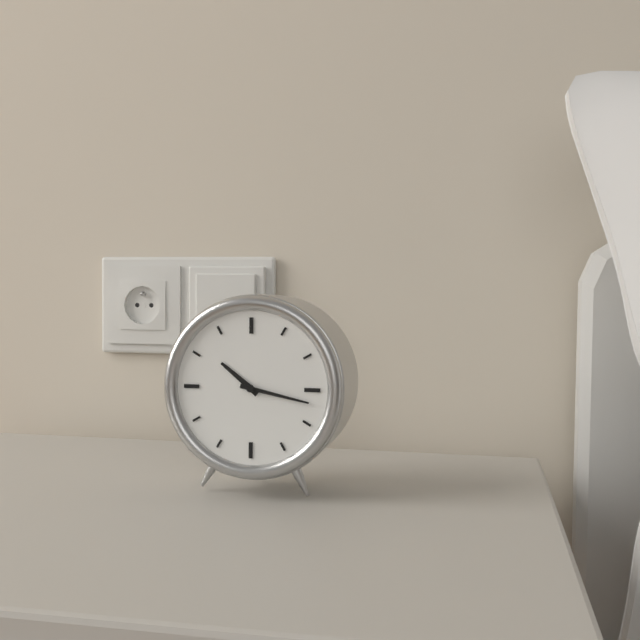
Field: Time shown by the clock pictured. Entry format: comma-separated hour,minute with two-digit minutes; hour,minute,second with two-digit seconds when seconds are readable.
10,17
